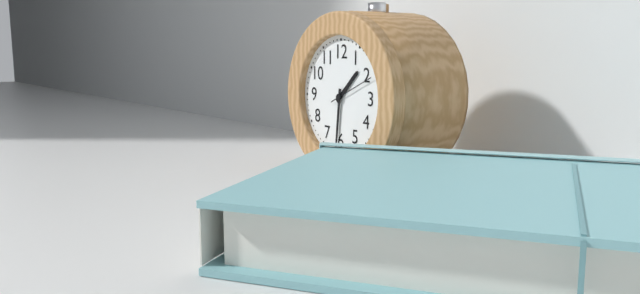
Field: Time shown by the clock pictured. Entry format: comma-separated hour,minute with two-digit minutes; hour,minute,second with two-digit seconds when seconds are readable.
1,31
